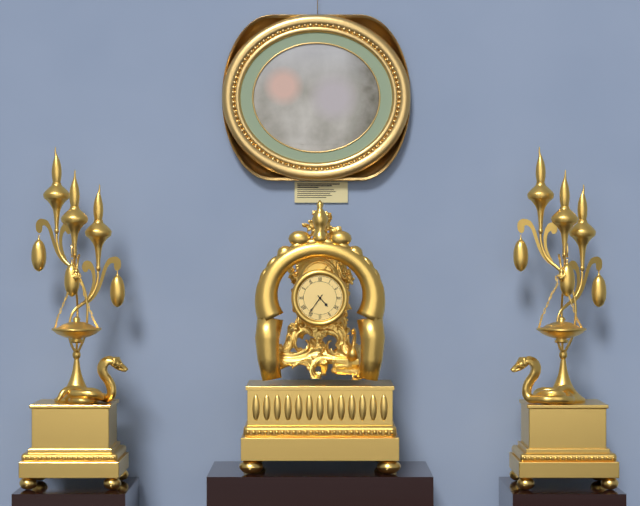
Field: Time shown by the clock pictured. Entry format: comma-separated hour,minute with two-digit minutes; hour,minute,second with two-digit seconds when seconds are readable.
4,36
